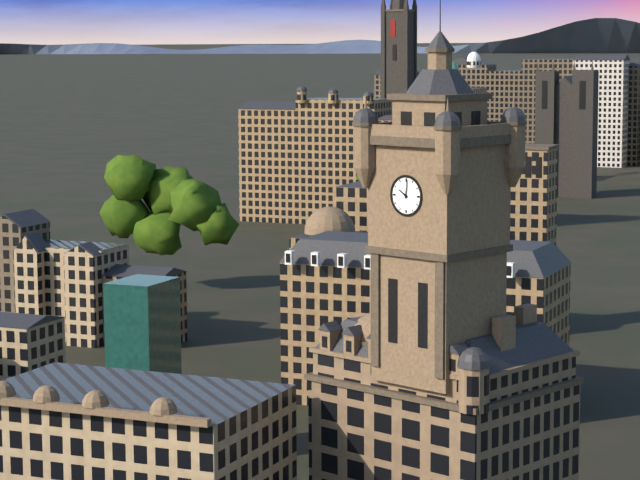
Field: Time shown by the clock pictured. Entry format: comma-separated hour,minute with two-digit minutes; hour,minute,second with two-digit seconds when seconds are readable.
10,01
